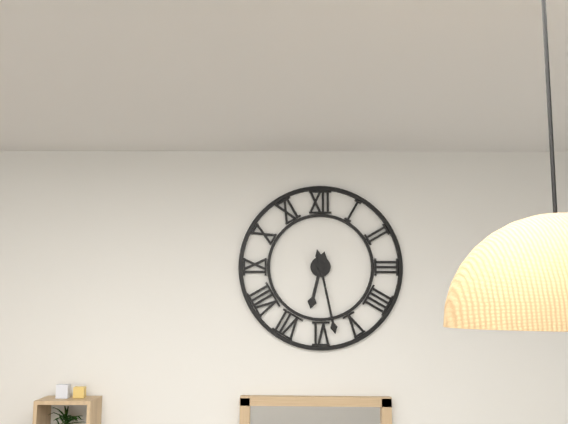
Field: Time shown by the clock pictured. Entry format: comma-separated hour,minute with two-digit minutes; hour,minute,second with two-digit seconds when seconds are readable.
6,28
